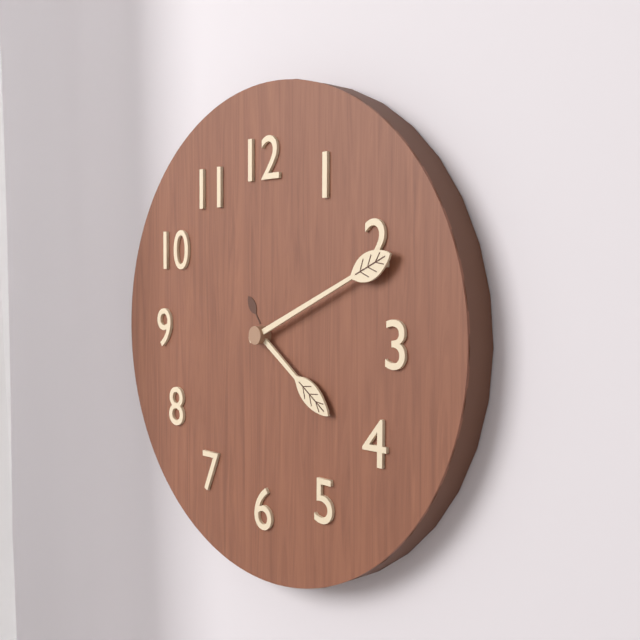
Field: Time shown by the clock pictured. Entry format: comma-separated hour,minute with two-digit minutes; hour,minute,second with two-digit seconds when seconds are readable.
4,11
